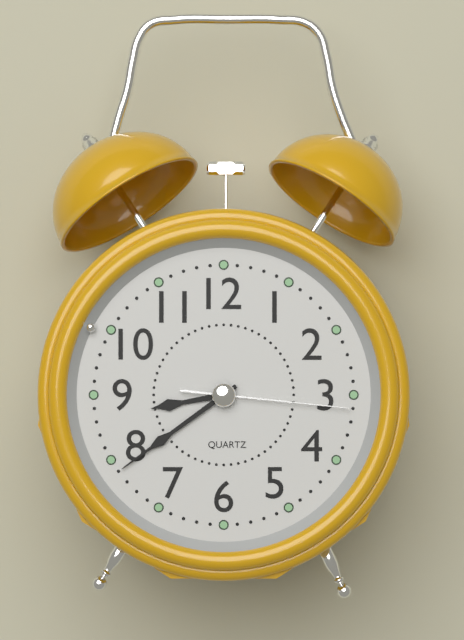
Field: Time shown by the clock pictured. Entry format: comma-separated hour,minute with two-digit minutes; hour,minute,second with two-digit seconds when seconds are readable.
8,39,16
